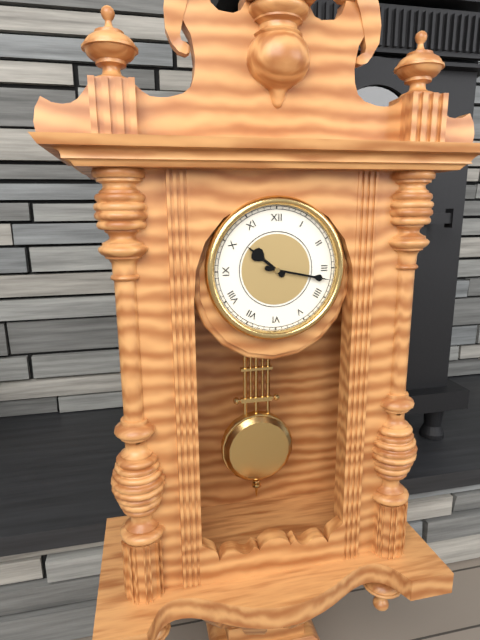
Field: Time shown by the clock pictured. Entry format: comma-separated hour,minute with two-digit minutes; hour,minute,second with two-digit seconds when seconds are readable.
10,17
